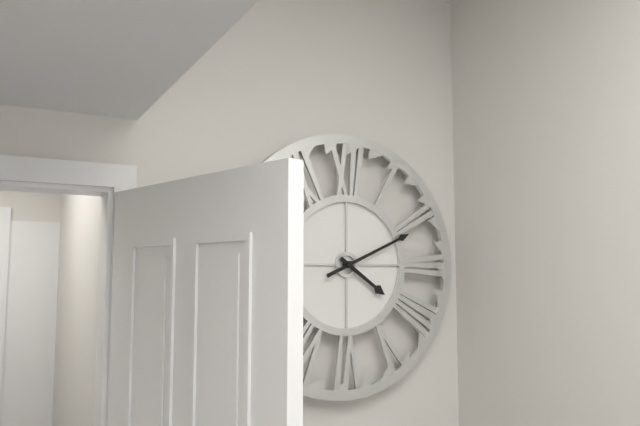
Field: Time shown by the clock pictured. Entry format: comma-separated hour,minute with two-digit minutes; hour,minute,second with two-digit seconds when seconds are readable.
4,11
